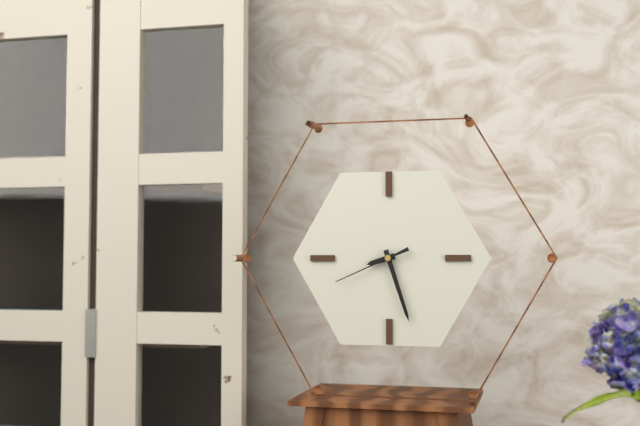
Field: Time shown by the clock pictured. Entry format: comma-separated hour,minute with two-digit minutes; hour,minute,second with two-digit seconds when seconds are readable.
8,27,41
